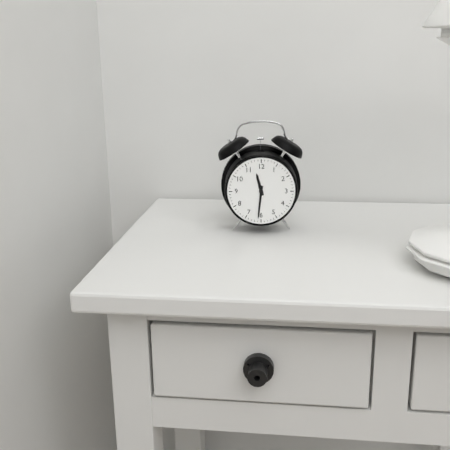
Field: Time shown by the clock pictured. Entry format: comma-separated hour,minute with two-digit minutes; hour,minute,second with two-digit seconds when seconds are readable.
11,31
